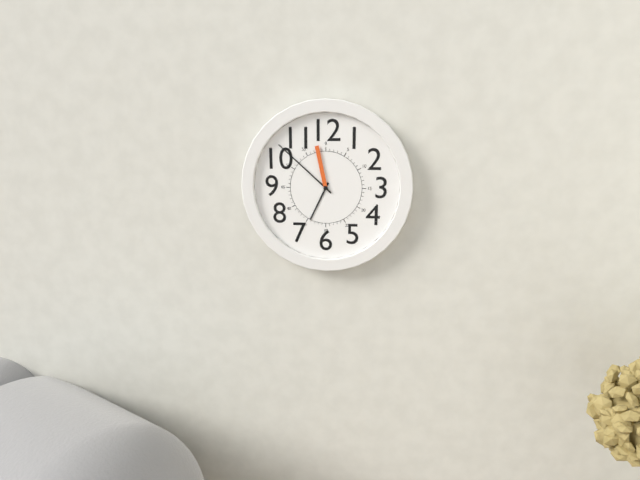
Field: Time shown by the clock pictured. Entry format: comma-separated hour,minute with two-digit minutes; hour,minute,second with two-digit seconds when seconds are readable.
6,52,58
